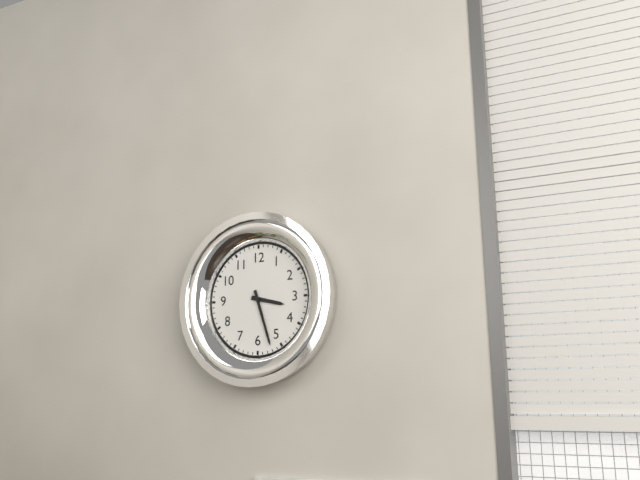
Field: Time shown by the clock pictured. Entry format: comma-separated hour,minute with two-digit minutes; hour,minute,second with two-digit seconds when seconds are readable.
3,27
